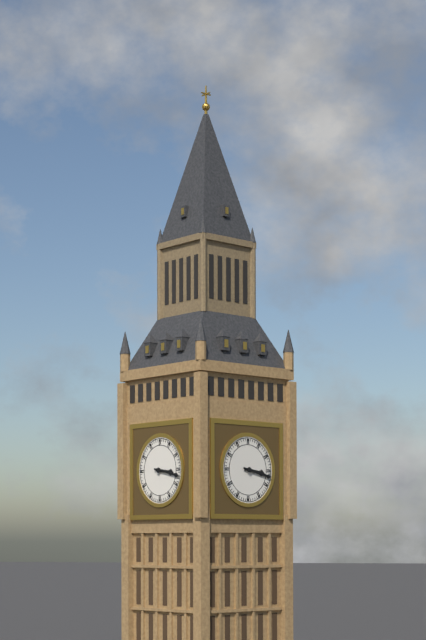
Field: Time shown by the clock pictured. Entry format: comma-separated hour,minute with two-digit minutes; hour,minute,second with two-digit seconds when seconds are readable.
3,17
